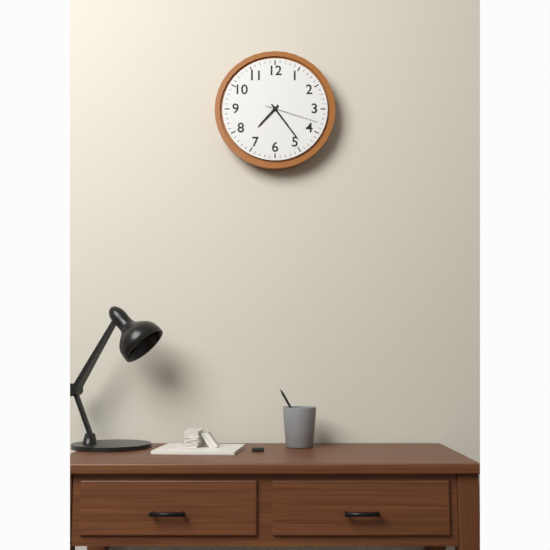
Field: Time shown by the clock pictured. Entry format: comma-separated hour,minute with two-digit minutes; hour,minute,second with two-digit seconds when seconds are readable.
7,24,18
